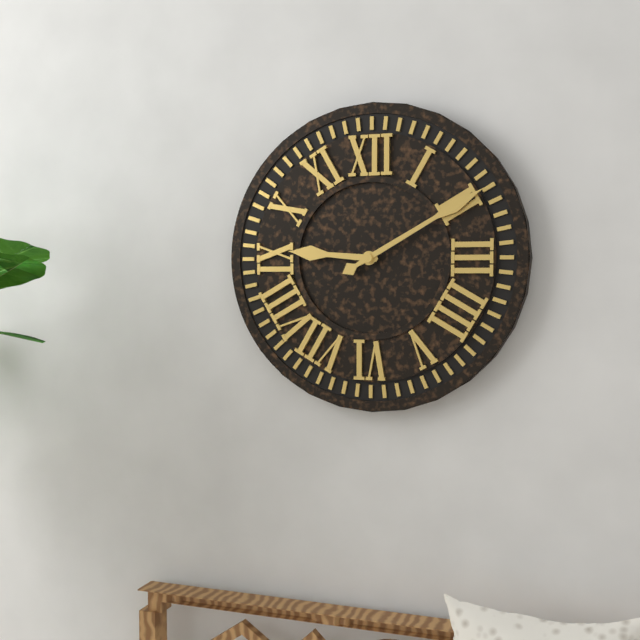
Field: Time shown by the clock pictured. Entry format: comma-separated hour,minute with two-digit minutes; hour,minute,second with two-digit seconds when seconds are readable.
9,10
